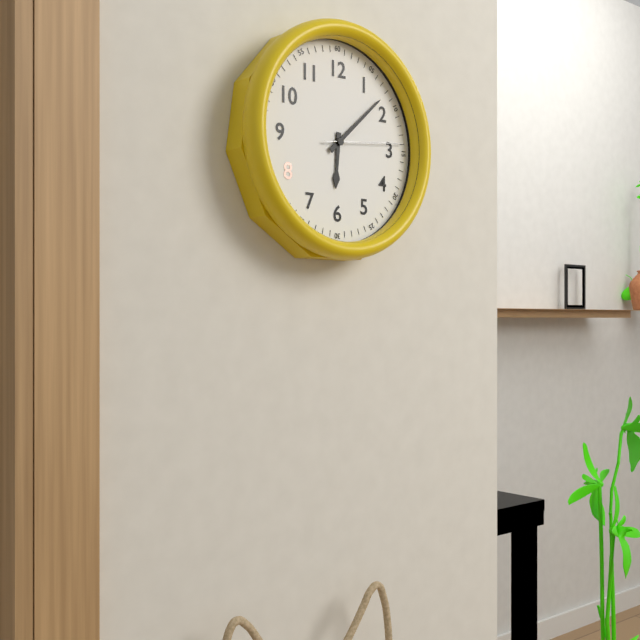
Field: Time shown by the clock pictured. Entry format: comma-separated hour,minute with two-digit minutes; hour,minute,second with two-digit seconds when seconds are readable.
6,08,14
